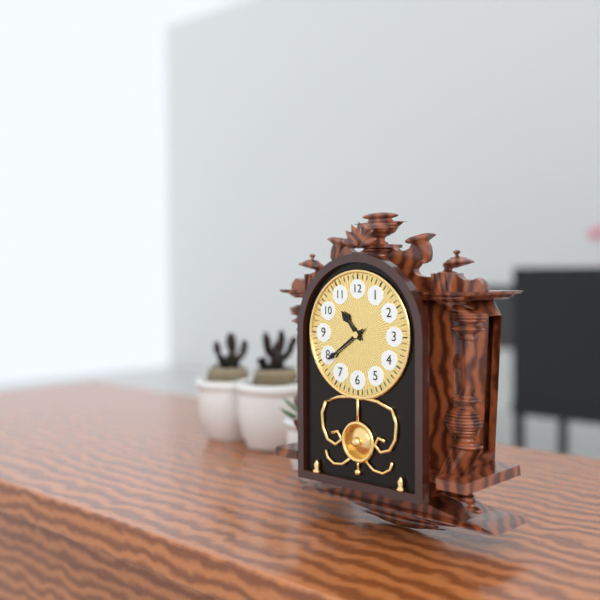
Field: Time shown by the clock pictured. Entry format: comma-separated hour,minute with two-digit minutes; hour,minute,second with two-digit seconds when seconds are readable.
10,39
